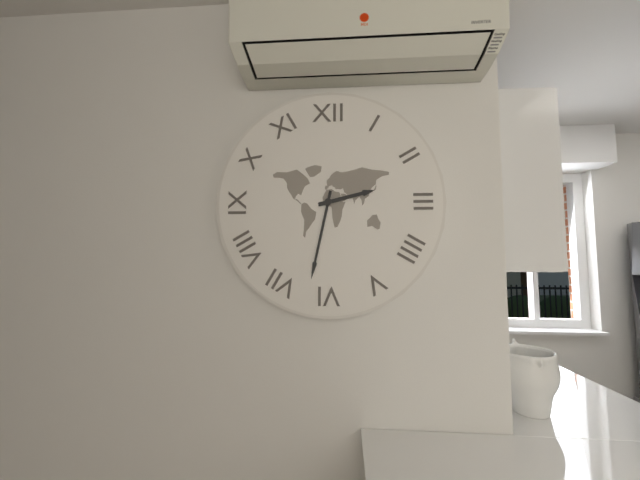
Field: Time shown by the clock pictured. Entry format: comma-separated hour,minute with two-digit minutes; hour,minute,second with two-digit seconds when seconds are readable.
2,32
